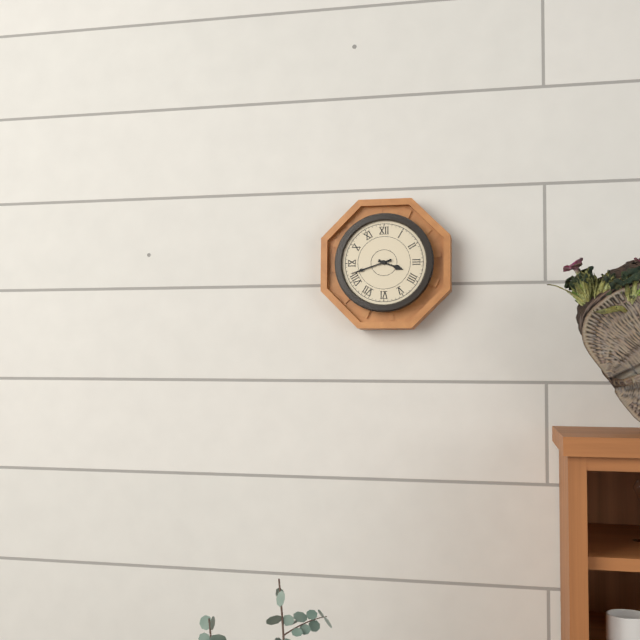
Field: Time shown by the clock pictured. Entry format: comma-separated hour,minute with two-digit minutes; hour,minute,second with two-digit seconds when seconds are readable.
3,42
